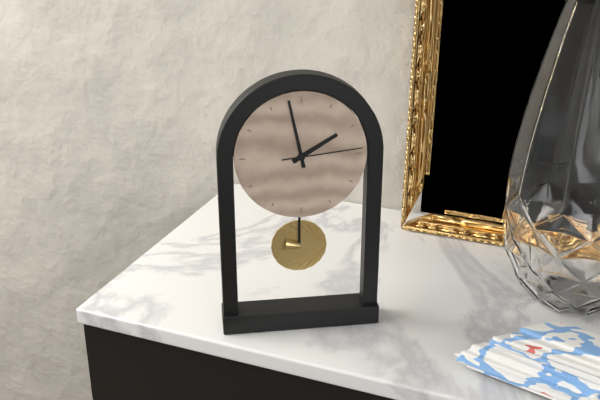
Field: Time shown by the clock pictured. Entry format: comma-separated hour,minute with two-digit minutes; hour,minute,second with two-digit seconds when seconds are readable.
1,58,14
